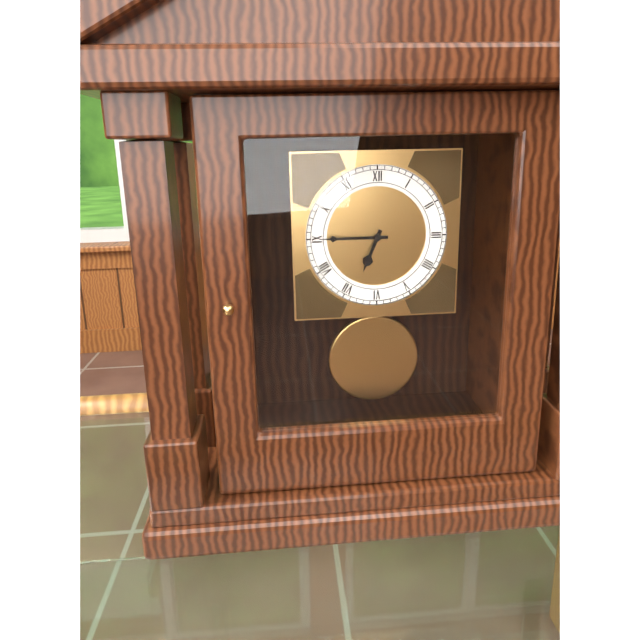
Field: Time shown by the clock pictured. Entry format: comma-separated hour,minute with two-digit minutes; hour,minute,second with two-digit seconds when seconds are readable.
6,45
